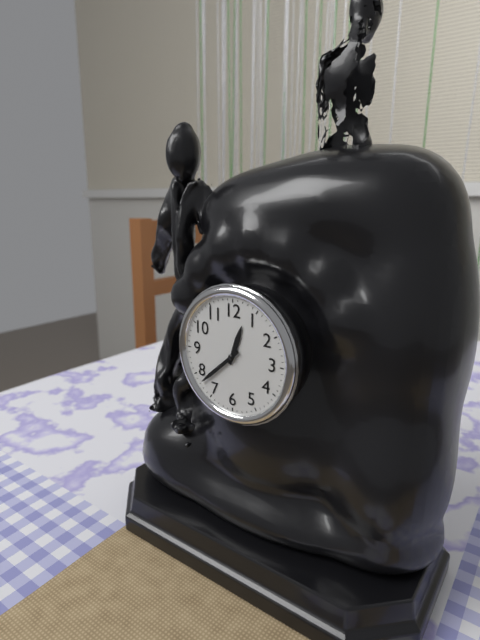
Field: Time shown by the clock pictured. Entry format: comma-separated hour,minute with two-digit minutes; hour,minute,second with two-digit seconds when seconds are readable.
12,38
